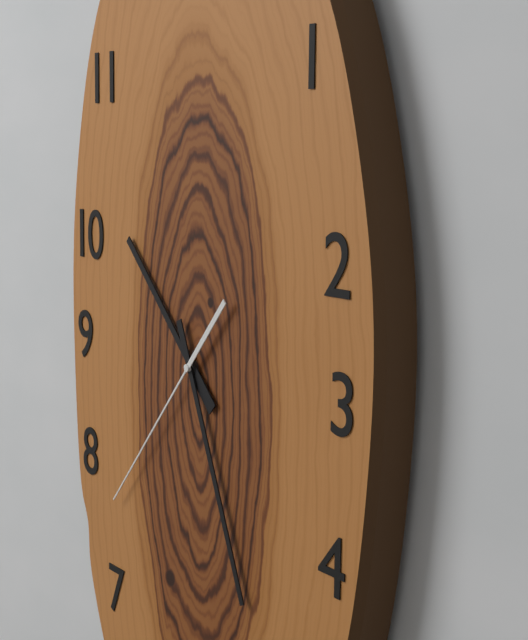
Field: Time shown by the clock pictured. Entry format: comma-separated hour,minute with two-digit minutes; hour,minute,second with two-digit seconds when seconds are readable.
10,26,37
